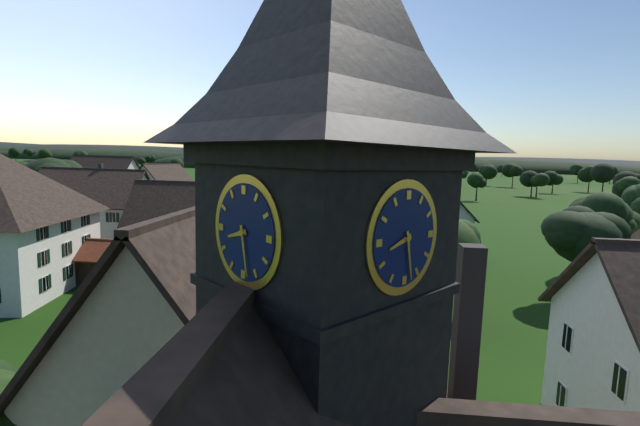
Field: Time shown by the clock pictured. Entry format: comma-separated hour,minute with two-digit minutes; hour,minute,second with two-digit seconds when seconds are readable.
8,28
